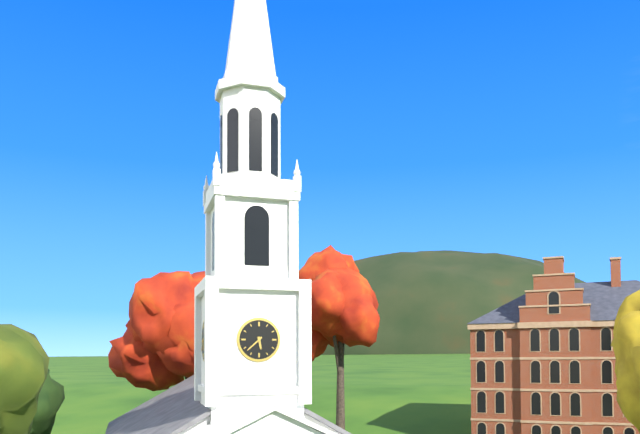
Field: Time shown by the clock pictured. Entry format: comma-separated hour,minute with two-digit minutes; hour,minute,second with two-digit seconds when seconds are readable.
5,38
